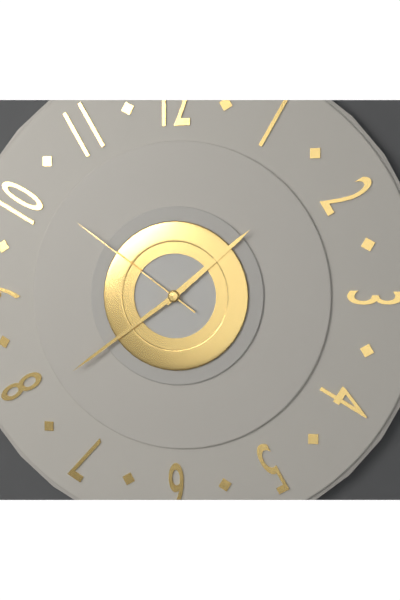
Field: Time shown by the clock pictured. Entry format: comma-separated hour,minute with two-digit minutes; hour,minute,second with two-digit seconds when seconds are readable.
1,39,51
